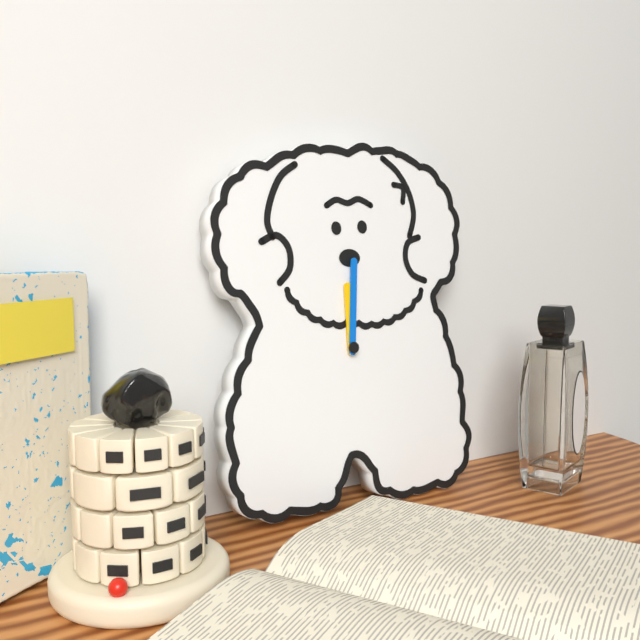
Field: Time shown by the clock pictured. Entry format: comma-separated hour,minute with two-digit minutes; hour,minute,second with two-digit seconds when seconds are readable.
12,01
